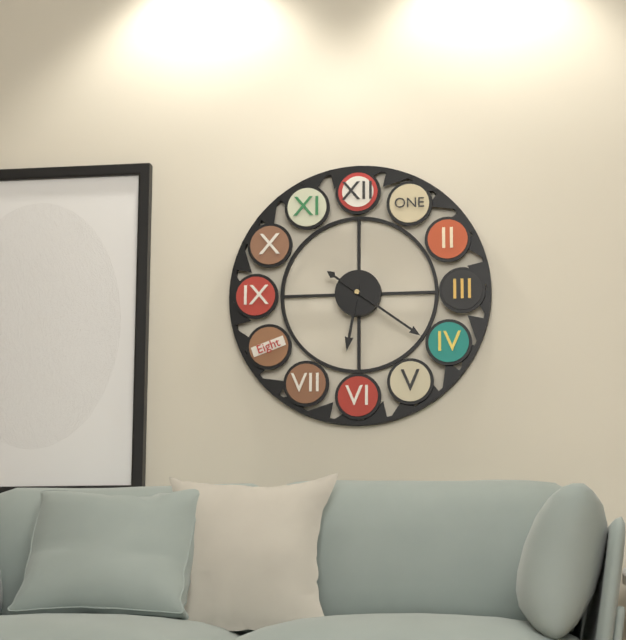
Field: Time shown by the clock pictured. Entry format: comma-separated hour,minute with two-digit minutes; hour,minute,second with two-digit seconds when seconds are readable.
6,21
